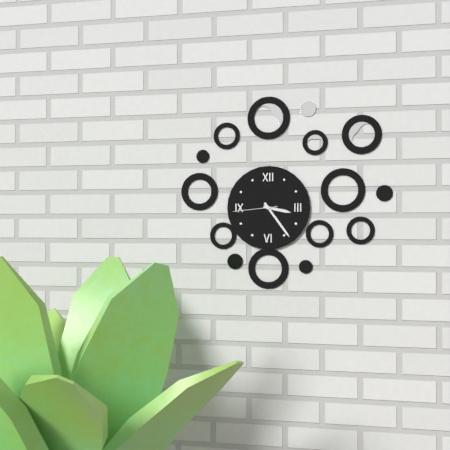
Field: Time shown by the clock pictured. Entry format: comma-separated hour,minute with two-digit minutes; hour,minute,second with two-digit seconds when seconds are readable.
3,24
